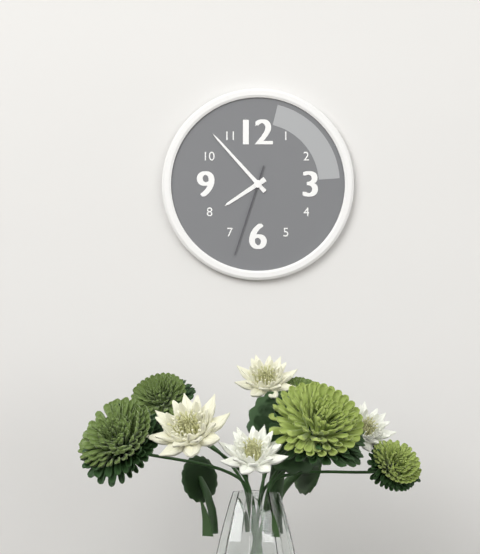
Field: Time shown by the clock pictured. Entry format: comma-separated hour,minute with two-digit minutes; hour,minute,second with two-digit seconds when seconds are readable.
7,53,33
